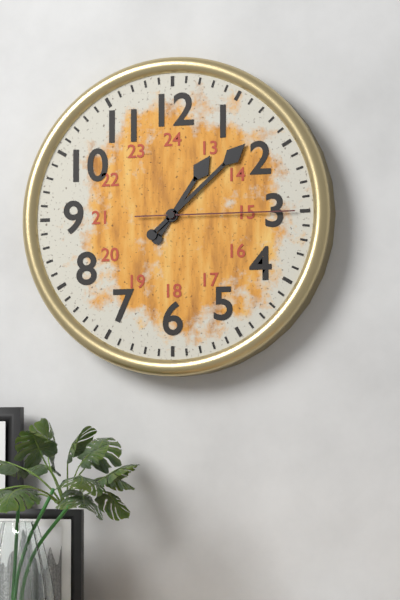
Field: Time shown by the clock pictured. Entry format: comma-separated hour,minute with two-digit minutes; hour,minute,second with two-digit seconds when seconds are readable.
1,08,15
